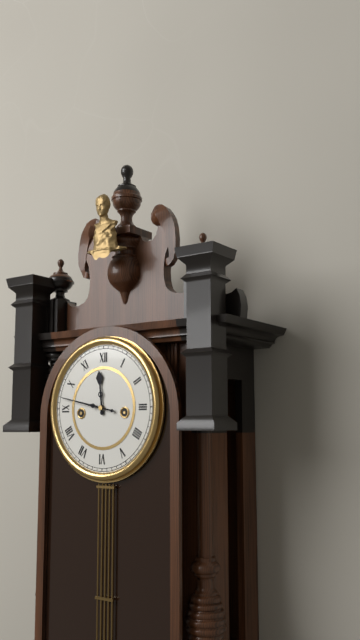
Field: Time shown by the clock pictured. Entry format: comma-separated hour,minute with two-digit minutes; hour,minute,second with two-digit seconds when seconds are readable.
11,47
